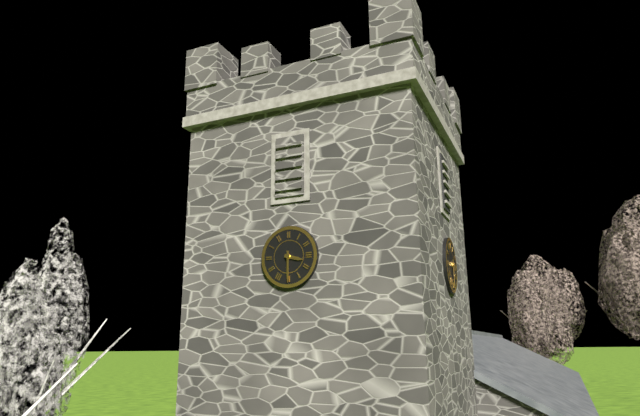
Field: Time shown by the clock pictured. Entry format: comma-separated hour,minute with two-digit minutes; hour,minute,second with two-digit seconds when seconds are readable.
3,30
